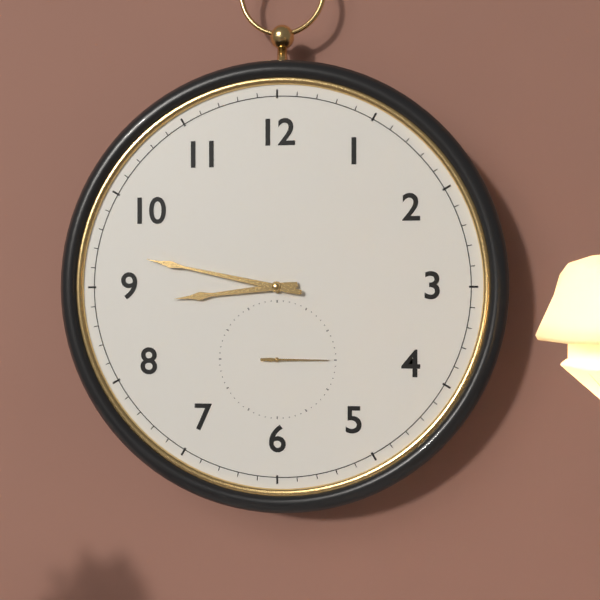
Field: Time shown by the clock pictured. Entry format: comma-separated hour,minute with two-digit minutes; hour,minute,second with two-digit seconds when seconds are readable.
8,47,15
